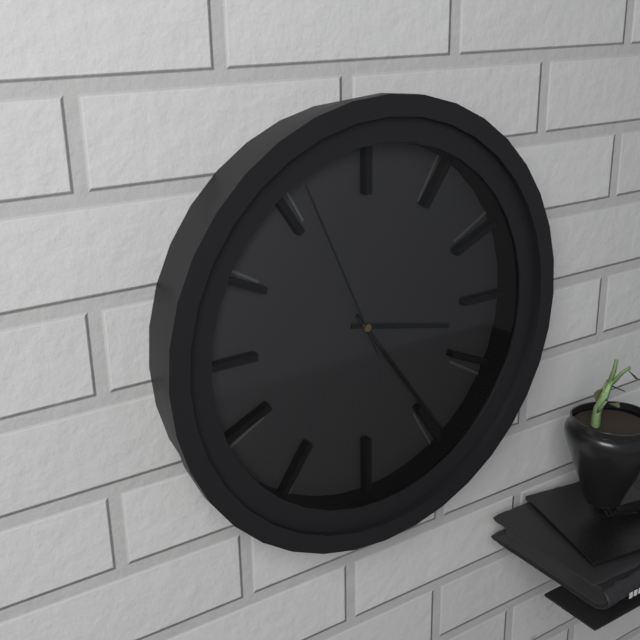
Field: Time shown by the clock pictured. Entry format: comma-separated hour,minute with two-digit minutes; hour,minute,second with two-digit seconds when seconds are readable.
3,24,56
